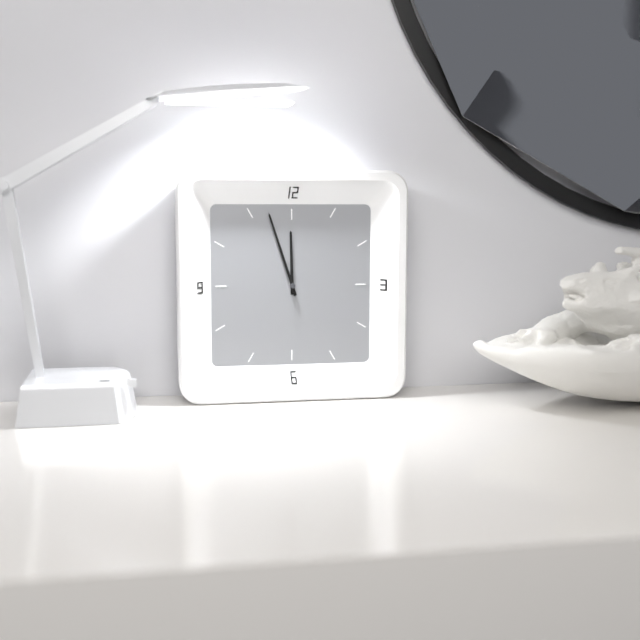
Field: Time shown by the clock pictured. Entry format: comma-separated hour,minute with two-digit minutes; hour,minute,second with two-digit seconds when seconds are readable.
11,57
